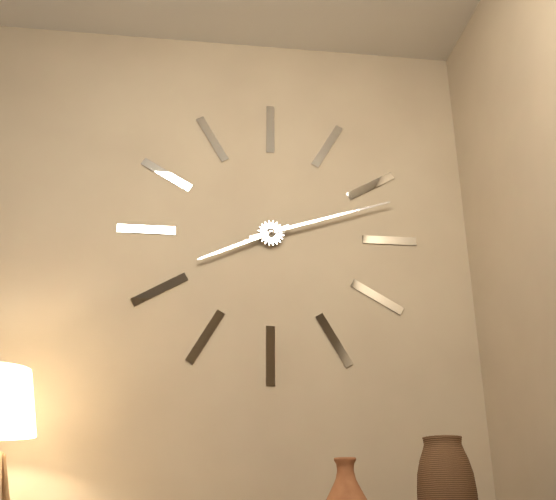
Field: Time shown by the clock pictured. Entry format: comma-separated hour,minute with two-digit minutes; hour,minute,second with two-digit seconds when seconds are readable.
8,12
